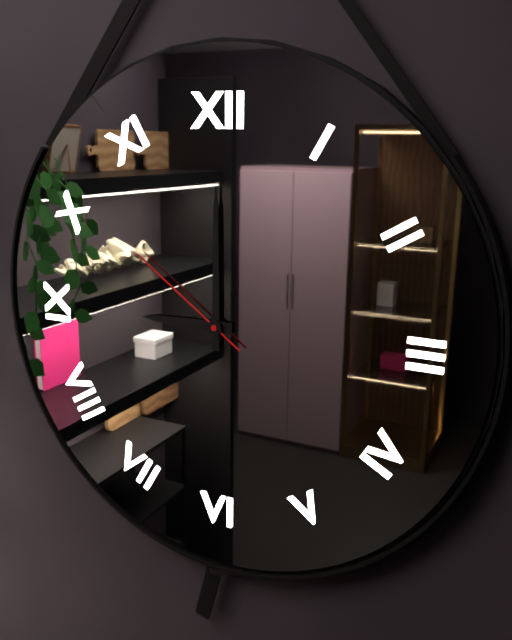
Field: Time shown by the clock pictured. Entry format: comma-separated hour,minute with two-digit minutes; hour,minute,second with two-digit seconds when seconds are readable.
9,00,51
